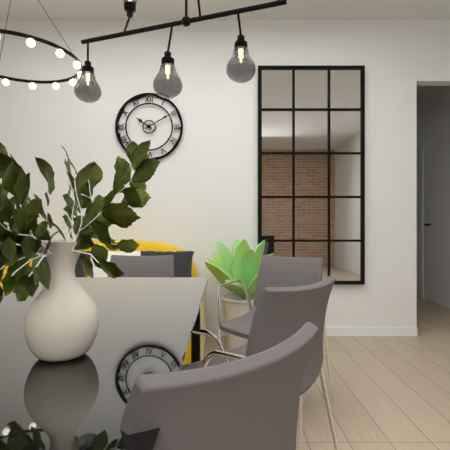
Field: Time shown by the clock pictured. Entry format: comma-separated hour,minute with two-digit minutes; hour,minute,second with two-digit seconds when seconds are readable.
10,10
